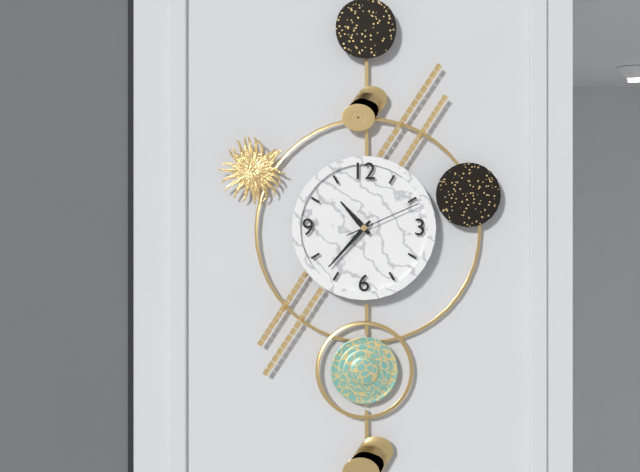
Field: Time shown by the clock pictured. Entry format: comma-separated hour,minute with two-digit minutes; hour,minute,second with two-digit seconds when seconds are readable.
10,37,11
